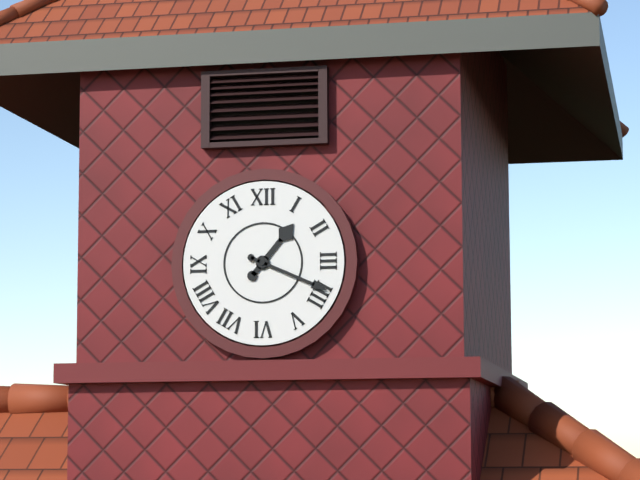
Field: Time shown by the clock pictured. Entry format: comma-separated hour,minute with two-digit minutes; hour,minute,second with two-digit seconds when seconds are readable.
1,19
